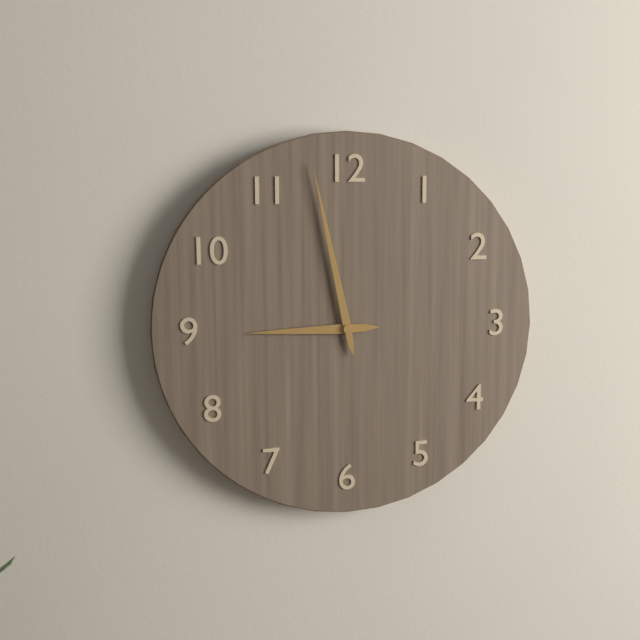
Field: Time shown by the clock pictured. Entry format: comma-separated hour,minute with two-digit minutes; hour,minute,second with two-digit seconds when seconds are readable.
8,58
